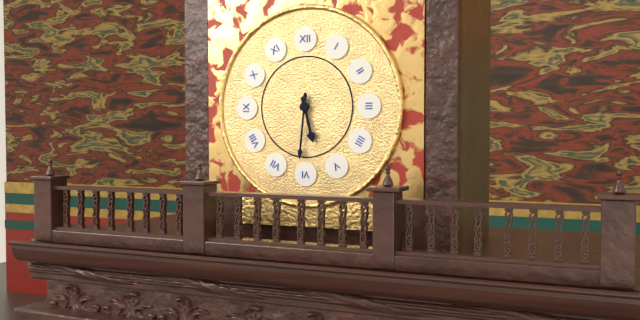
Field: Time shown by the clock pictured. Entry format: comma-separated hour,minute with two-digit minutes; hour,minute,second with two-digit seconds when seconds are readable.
5,31
